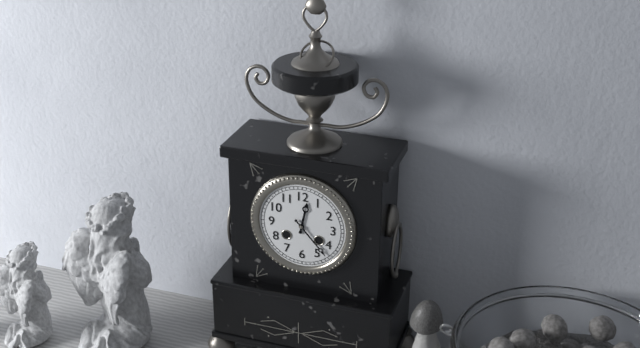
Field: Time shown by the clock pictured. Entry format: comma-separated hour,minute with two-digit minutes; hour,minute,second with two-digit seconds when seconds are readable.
12,23
